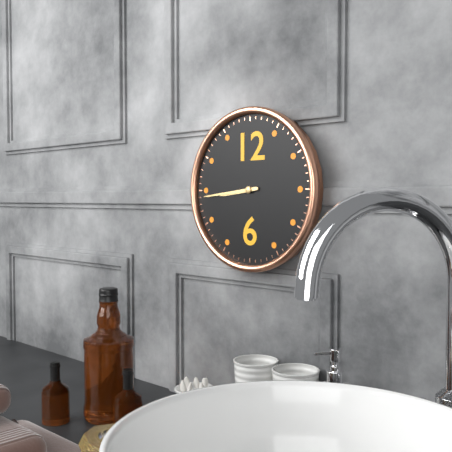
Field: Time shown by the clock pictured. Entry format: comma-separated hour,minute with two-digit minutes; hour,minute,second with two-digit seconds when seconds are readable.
8,44
